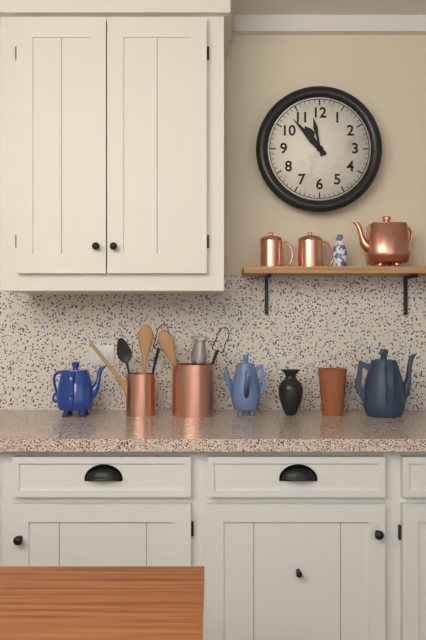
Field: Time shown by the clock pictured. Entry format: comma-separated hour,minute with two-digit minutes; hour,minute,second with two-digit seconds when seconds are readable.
10,53
